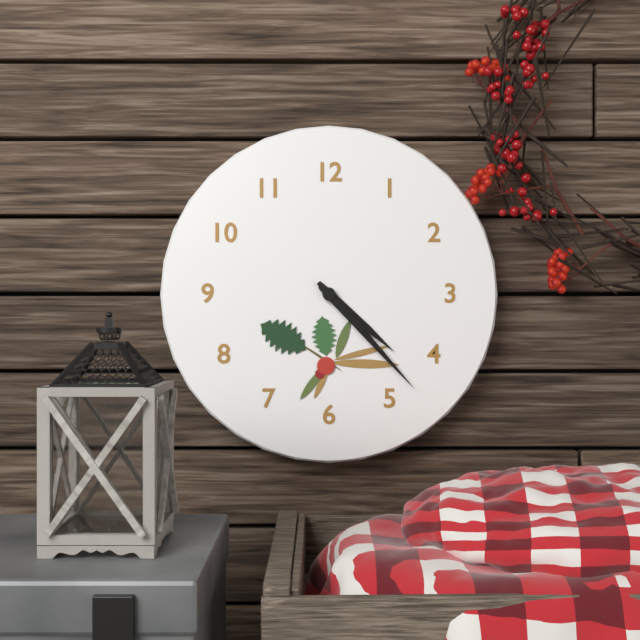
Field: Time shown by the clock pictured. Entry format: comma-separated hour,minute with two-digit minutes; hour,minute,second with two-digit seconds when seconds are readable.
4,23
